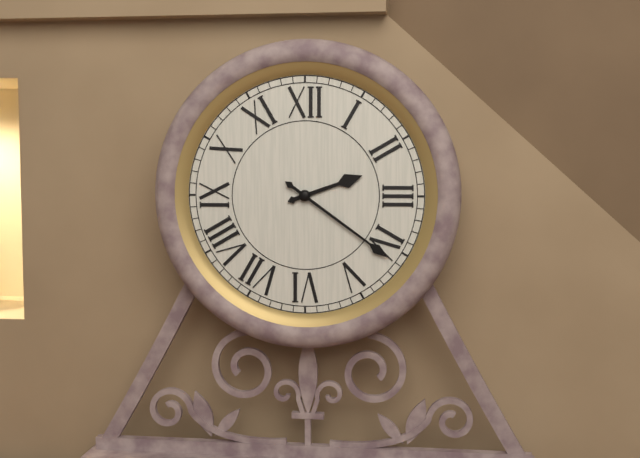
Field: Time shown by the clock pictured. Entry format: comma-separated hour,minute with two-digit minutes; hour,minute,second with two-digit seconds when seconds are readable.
2,21
